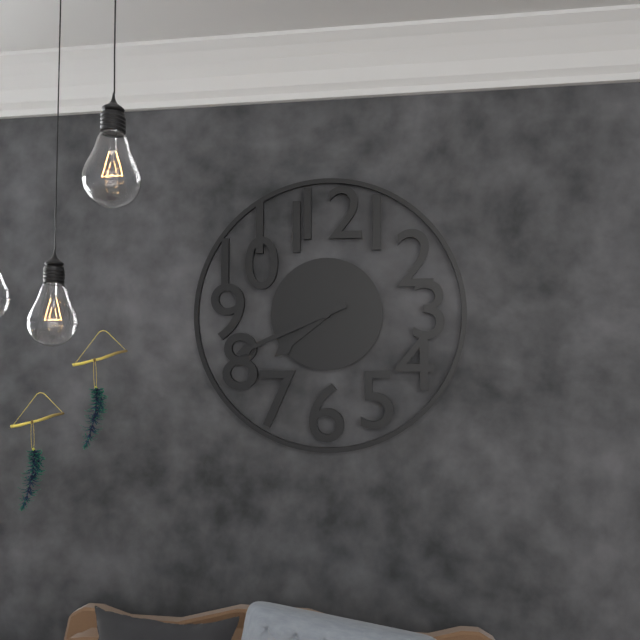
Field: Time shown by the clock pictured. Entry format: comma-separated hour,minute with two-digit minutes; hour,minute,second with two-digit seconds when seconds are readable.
7,41
